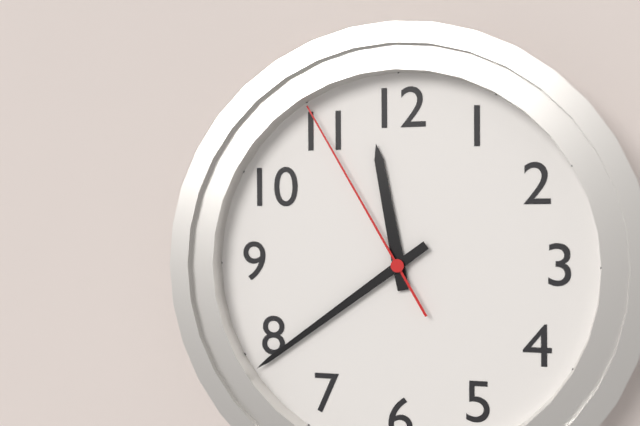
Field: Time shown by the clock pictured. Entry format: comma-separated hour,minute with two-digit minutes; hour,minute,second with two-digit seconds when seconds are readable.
11,39,55
